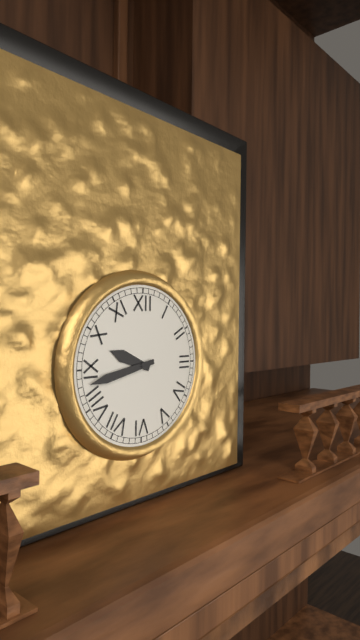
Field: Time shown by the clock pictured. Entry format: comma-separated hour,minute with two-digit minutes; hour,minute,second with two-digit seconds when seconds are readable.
9,43
